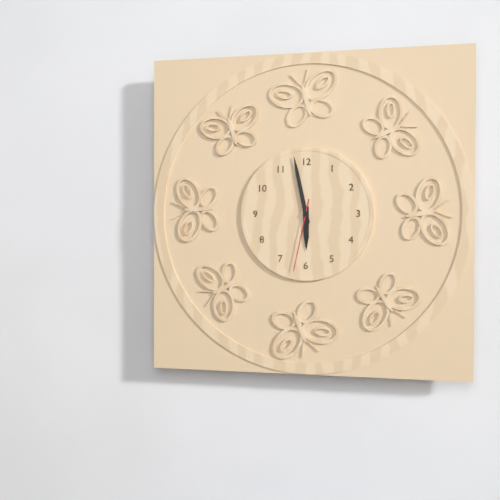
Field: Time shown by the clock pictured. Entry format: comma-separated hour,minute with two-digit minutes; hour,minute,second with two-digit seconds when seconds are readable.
5,58,32
